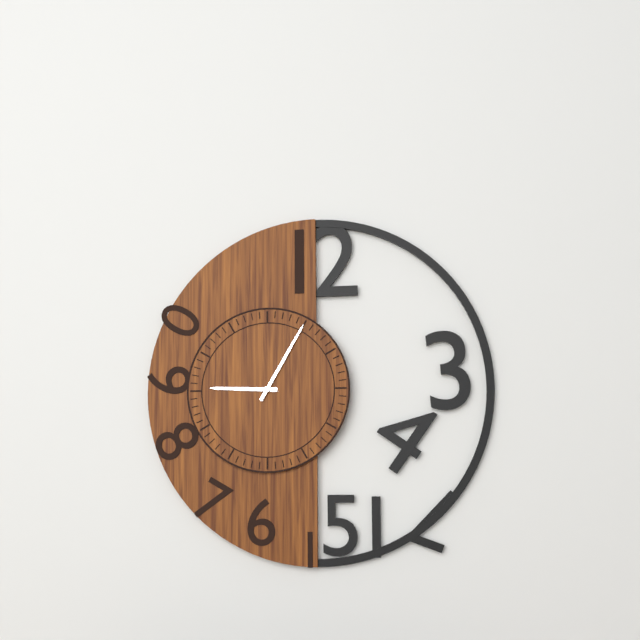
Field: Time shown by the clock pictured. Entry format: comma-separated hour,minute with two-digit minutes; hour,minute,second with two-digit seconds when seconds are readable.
9,05
